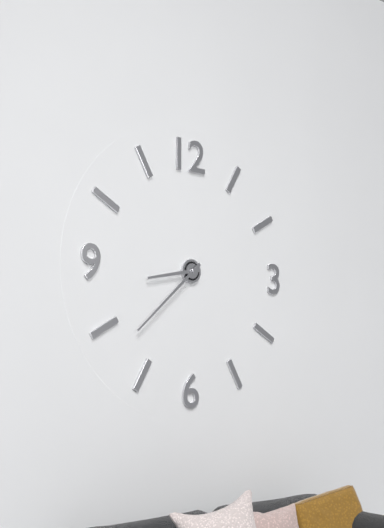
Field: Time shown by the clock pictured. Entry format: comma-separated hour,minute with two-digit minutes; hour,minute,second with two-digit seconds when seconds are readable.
8,38
